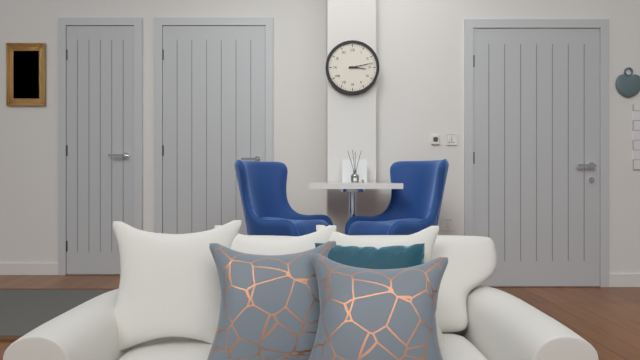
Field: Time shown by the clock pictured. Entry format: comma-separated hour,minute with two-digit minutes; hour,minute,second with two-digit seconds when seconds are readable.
3,13
